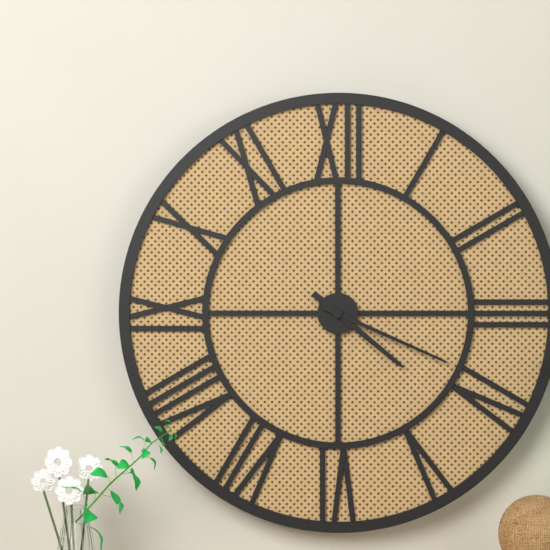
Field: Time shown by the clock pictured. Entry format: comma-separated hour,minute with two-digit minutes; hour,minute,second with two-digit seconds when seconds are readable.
4,19
